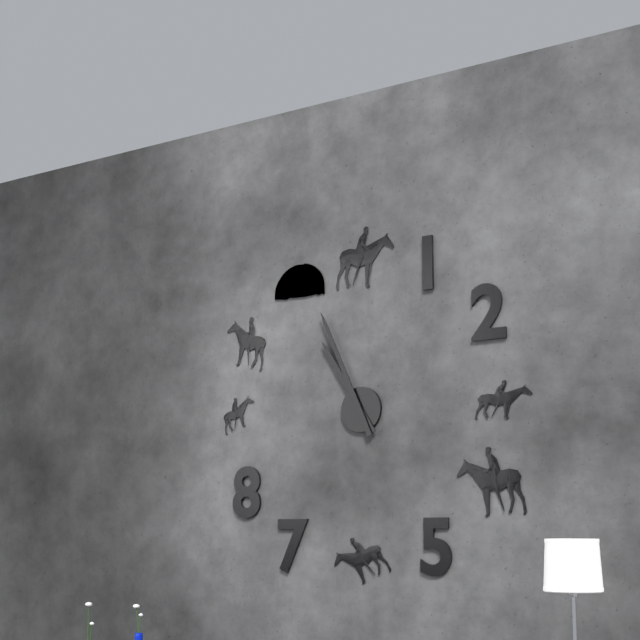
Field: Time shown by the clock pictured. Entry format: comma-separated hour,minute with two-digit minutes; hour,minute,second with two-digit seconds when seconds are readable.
10,56
